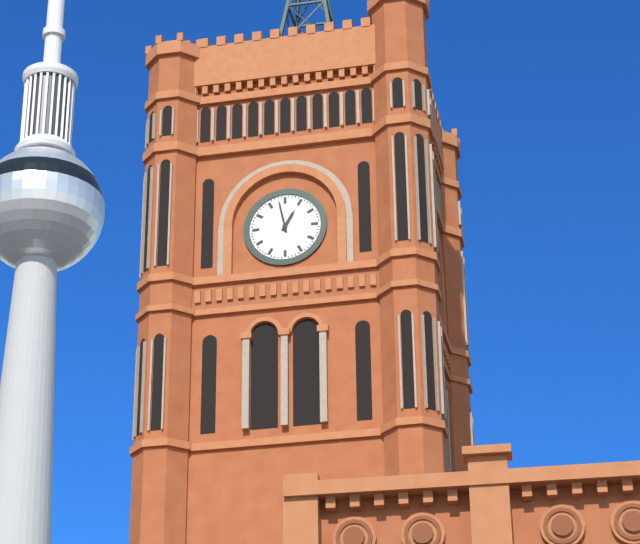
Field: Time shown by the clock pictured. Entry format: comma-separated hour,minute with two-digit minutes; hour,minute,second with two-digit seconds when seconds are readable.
12,58
